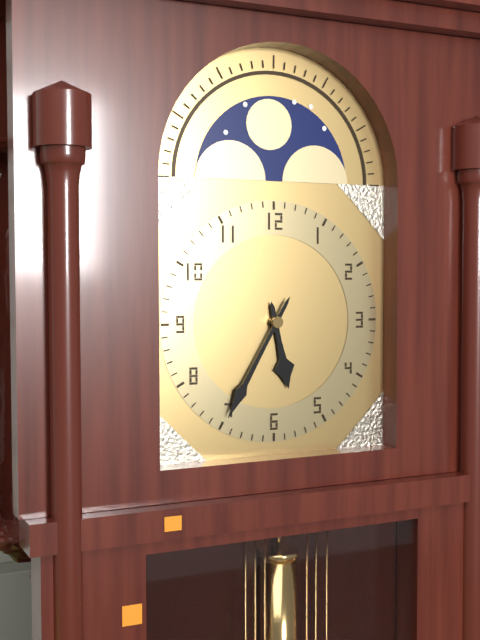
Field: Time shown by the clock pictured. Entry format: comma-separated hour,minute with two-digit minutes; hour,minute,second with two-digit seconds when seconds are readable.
5,35
